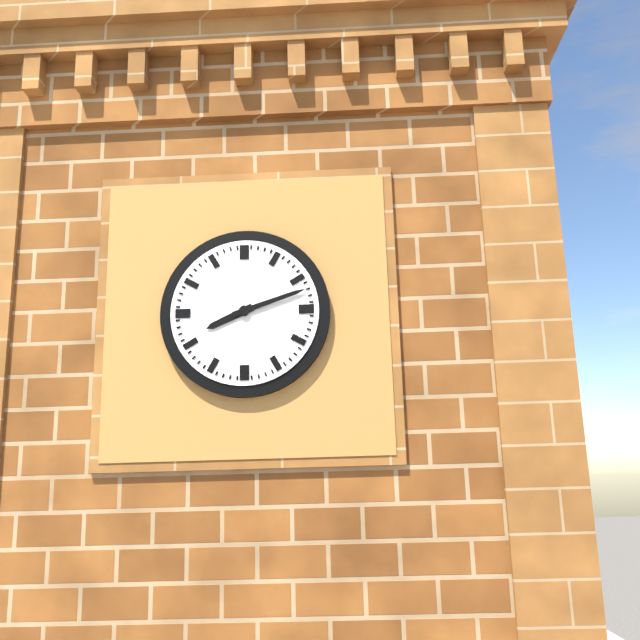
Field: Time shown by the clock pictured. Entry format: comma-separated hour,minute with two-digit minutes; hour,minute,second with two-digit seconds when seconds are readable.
8,12
